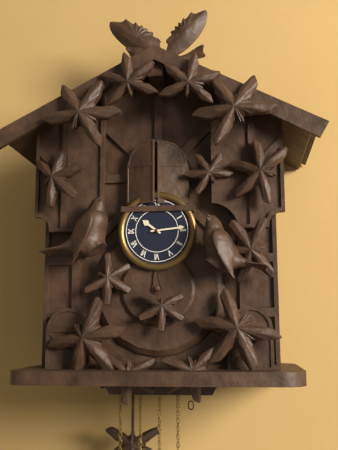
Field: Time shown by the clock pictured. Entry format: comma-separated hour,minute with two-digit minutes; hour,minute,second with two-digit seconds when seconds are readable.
10,14
